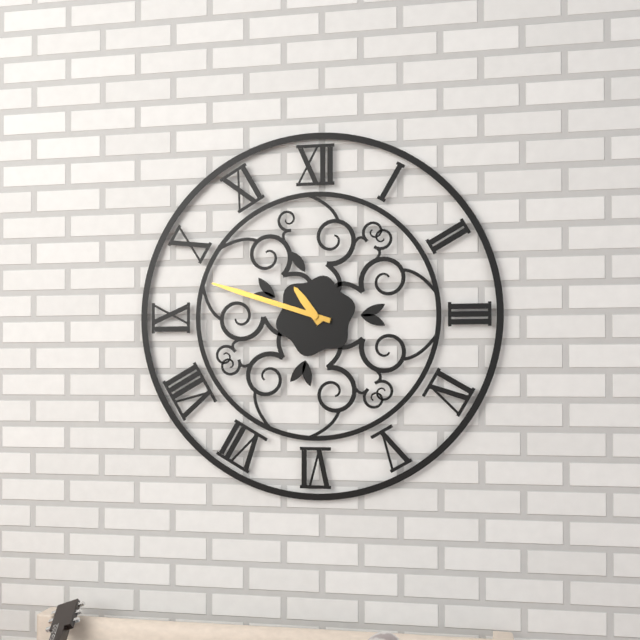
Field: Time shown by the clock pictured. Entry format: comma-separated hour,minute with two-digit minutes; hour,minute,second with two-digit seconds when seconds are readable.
10,48
